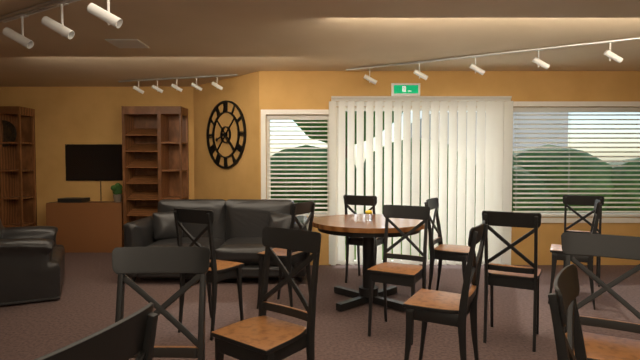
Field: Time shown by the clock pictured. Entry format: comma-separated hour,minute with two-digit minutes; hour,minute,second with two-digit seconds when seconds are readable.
8,22
